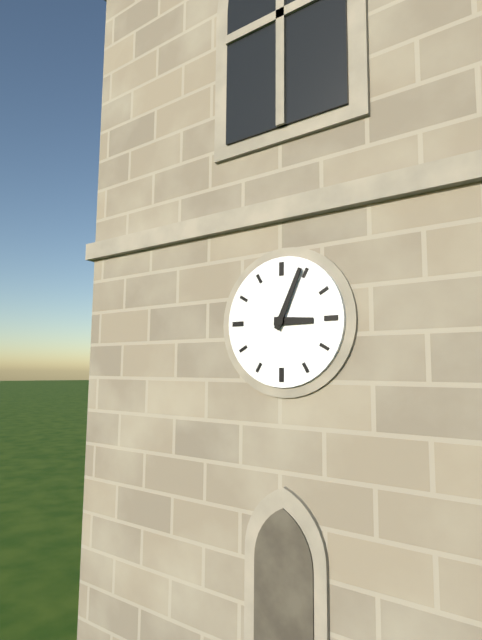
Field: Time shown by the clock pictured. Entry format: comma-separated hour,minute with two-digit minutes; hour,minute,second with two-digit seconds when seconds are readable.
3,04
